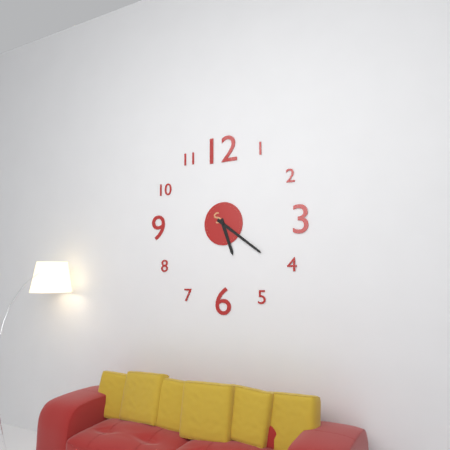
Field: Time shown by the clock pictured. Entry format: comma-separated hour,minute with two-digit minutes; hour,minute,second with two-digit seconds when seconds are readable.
5,21
